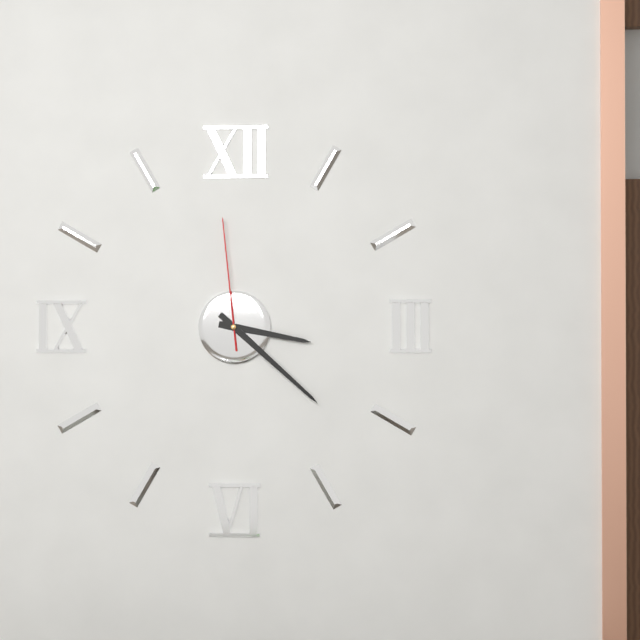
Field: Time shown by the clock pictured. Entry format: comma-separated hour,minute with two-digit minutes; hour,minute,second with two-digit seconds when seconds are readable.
3,22,59
